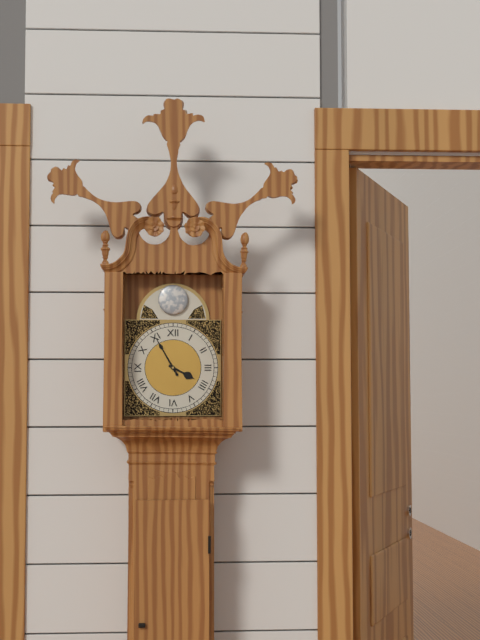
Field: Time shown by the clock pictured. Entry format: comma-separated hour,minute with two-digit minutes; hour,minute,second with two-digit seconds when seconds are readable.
3,55
